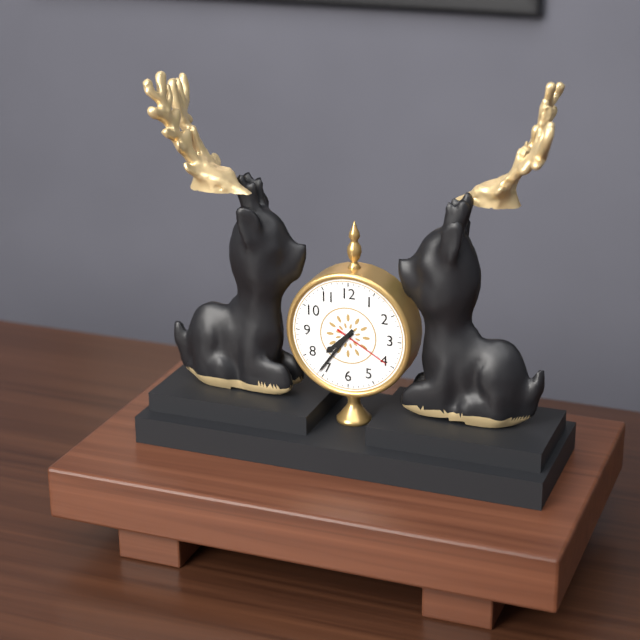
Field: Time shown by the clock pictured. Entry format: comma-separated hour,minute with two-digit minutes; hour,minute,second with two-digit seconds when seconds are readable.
7,36,20
